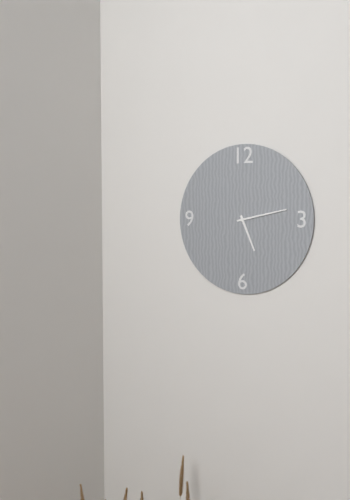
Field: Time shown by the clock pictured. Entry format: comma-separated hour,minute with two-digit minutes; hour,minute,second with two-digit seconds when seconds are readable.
5,13
